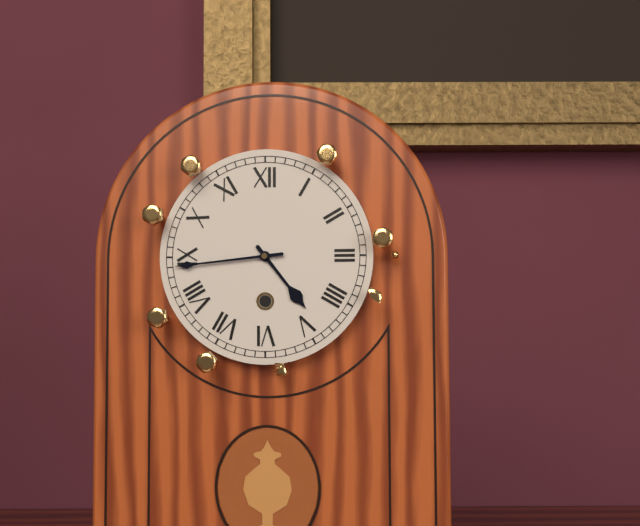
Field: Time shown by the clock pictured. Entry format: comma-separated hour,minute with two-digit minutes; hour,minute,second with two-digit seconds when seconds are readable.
4,44
